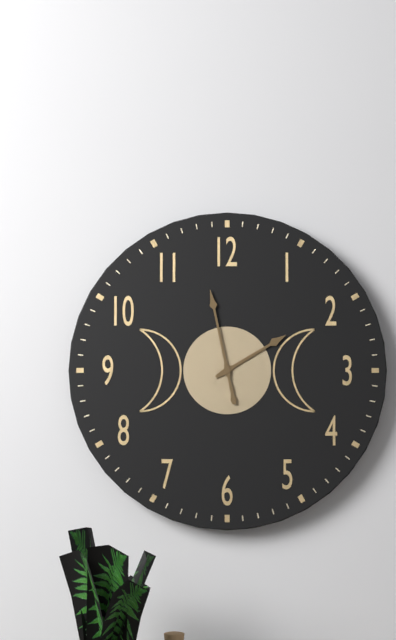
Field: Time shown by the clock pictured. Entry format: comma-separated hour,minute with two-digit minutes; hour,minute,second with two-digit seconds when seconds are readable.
1,58
